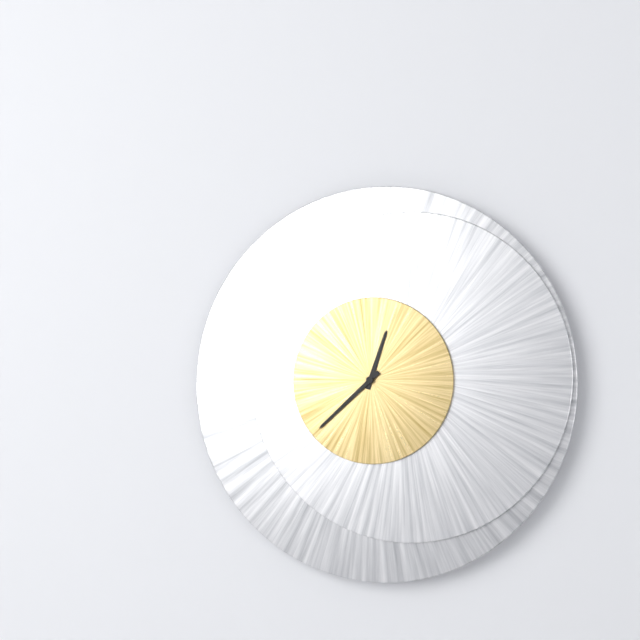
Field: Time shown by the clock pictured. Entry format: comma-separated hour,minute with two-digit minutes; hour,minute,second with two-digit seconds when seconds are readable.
12,38
